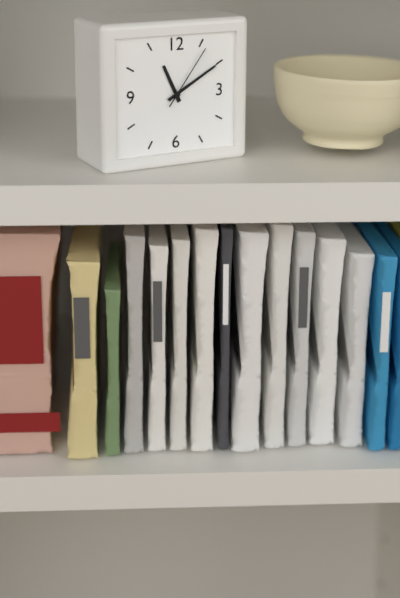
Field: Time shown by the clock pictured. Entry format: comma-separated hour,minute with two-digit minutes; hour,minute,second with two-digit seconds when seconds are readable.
11,10,06
